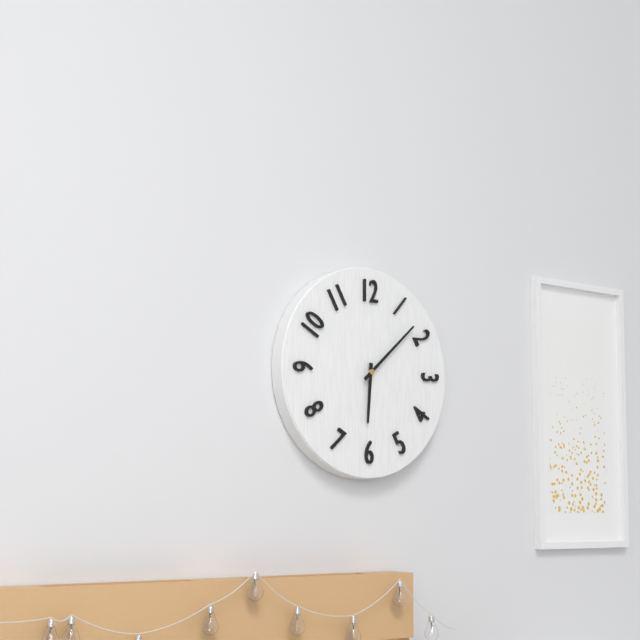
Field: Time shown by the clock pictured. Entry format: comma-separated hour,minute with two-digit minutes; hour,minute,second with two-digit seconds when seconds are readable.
6,08
